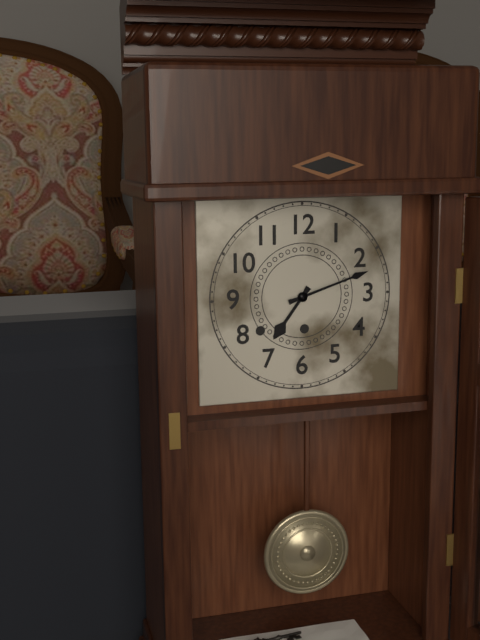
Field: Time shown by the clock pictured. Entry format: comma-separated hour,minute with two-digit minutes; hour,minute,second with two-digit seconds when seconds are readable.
7,12
